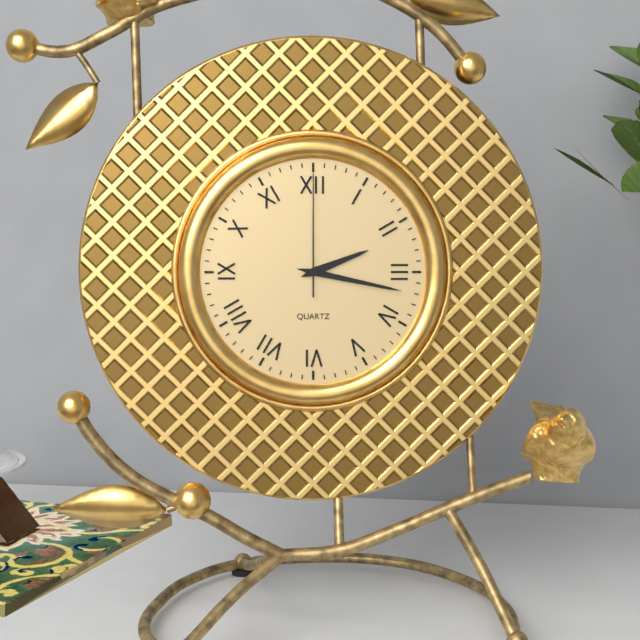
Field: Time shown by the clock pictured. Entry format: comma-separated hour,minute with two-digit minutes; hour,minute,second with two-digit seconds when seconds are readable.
2,17,00
